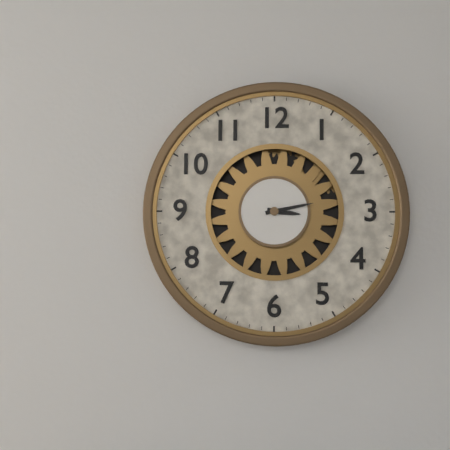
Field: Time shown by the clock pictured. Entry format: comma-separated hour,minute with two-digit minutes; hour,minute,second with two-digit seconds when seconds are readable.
3,13
